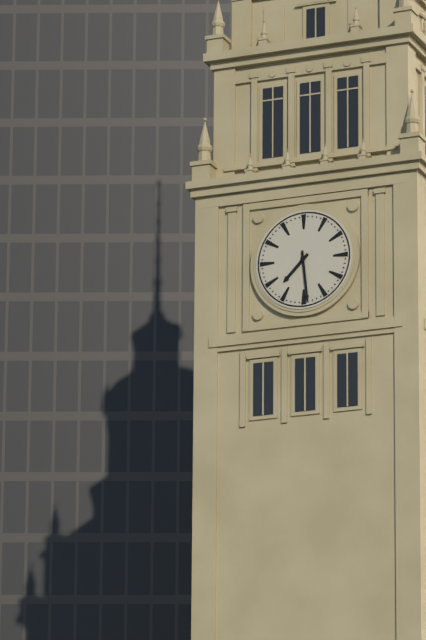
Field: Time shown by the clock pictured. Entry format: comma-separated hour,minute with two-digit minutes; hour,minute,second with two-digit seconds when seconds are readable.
7,29
